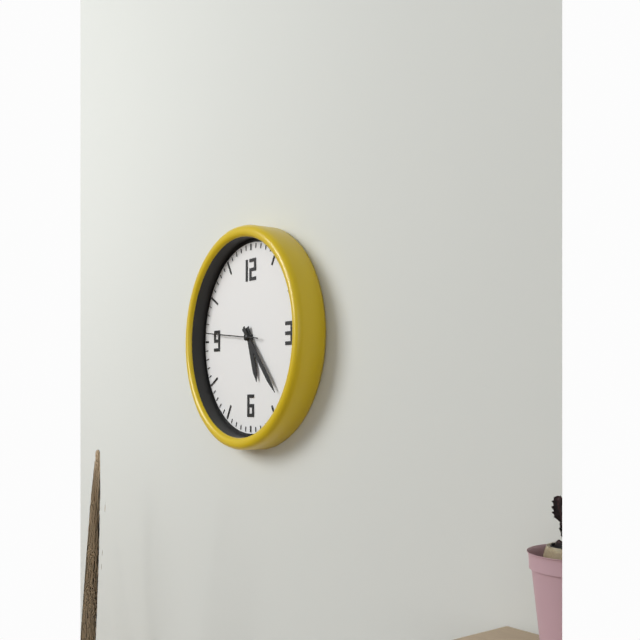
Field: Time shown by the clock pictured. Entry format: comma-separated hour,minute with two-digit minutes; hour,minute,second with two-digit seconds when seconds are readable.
5,23
